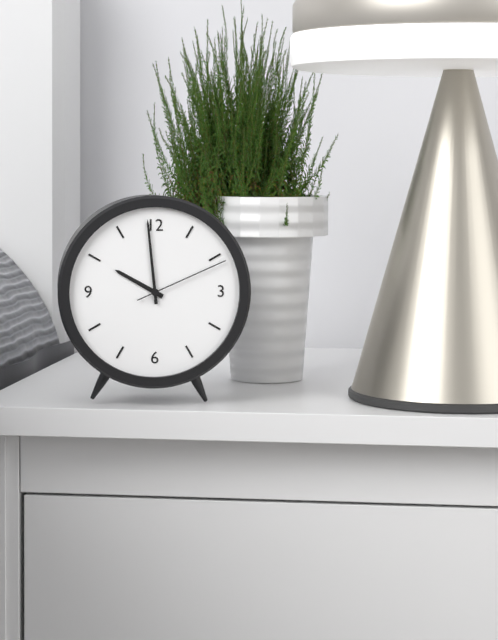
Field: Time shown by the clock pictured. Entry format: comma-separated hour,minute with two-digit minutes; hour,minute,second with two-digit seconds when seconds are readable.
9,59,11
